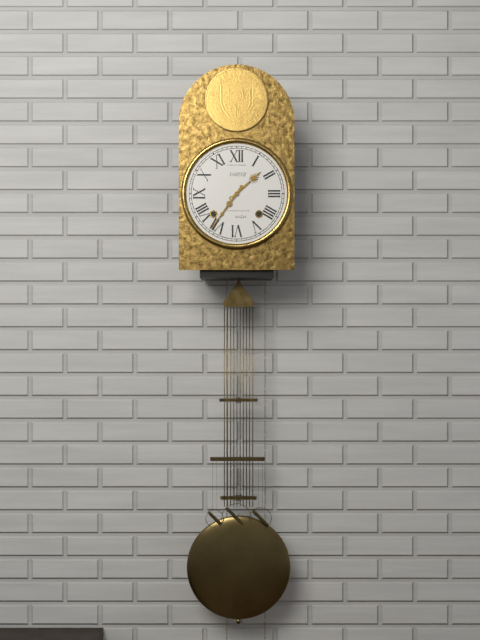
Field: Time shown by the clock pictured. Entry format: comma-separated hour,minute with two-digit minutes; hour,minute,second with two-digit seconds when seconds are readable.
1,36
